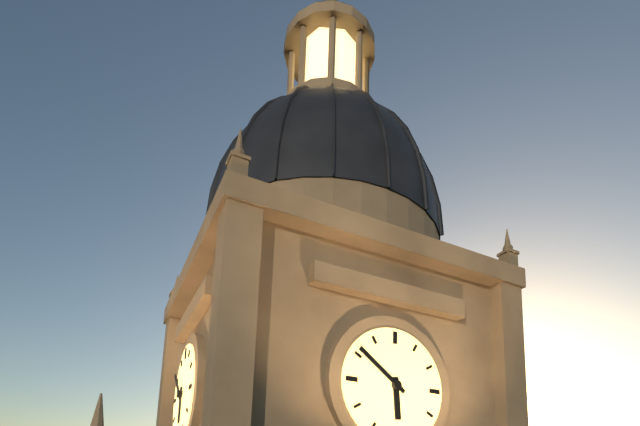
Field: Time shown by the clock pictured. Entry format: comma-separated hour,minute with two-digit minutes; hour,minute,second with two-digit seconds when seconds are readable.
5,51
